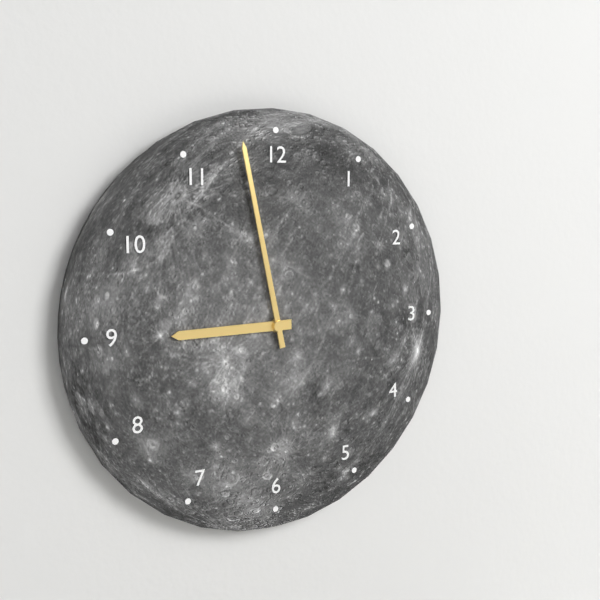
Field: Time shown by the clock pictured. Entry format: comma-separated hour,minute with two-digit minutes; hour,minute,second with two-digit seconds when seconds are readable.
8,58
